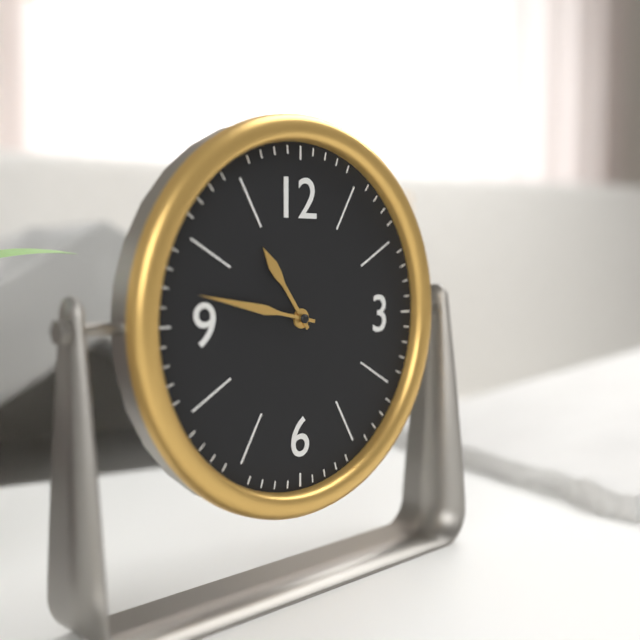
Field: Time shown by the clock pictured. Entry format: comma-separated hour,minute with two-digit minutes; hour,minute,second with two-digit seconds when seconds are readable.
10,47
